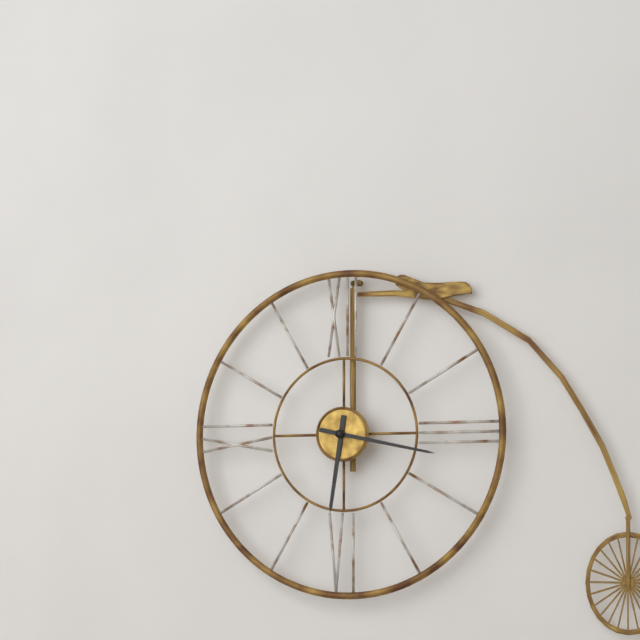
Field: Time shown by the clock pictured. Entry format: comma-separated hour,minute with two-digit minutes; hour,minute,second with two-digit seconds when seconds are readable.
6,17
